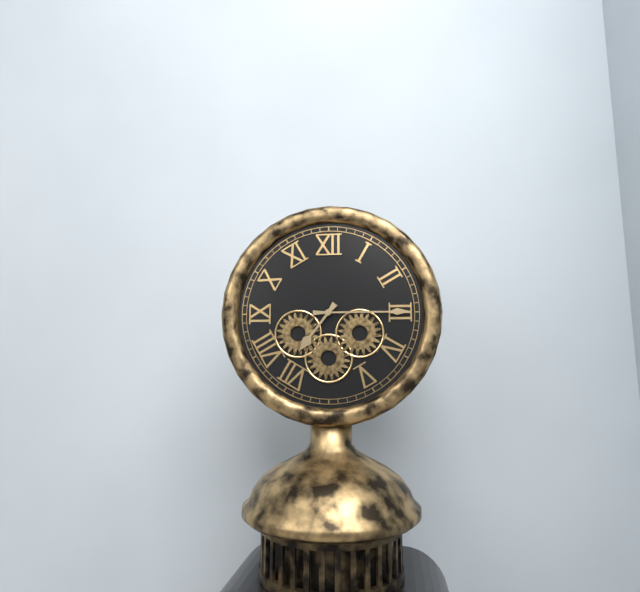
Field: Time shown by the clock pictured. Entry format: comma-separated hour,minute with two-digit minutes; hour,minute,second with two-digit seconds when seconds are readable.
7,15
